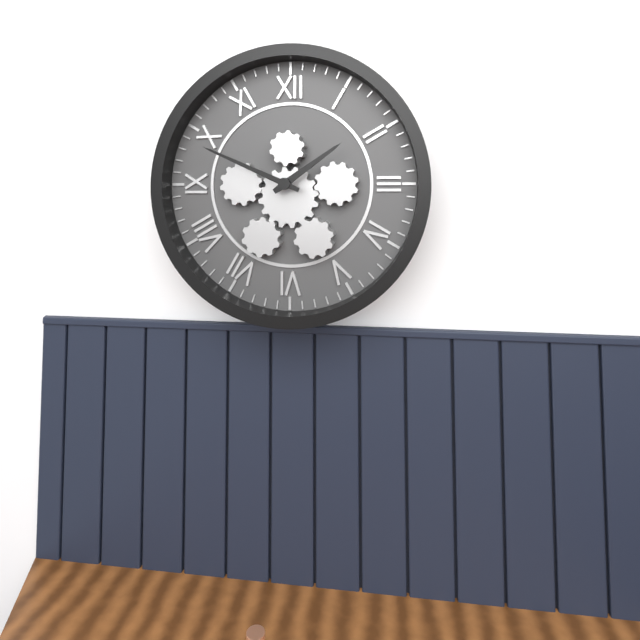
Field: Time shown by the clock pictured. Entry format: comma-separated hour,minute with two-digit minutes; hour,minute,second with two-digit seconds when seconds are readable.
1,49
